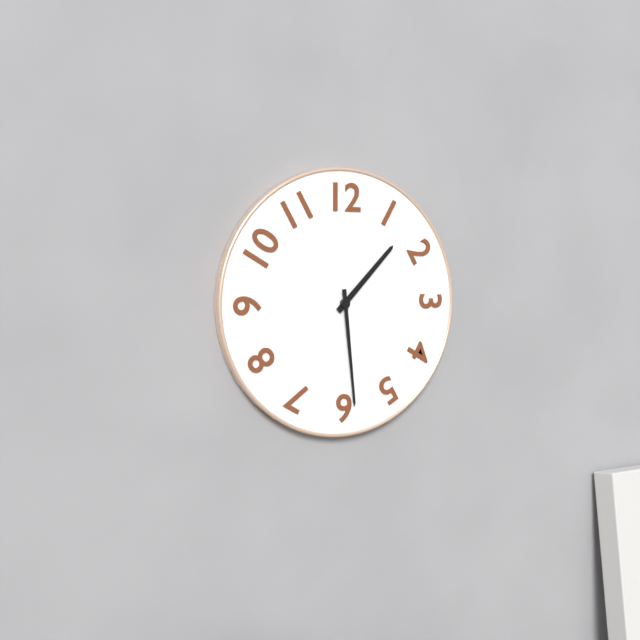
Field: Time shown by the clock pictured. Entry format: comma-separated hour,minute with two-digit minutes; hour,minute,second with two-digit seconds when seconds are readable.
1,29
